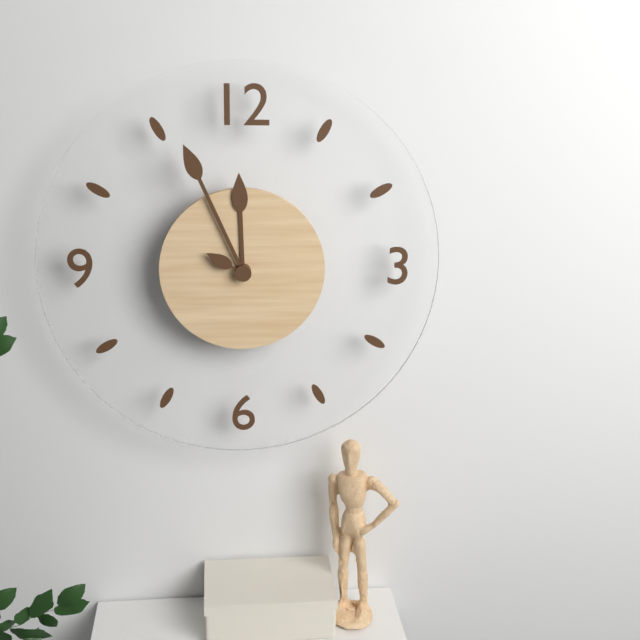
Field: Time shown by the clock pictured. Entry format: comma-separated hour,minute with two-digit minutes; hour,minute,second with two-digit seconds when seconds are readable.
11,56
